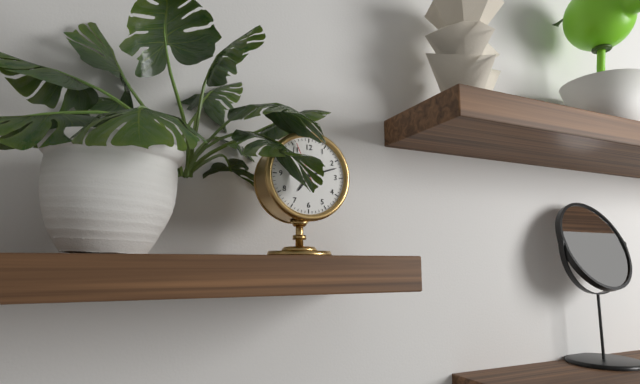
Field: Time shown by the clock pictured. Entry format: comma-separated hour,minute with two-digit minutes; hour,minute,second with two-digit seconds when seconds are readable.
7,12
